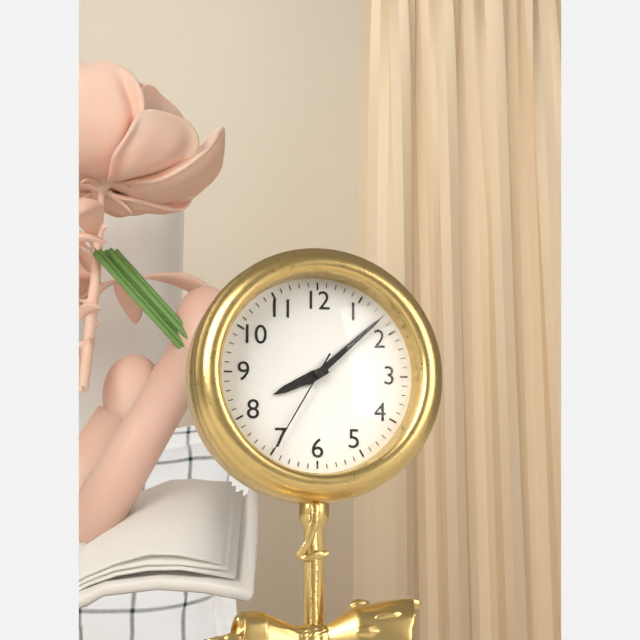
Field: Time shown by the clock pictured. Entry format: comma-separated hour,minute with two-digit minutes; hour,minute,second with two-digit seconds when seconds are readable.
8,08,35
